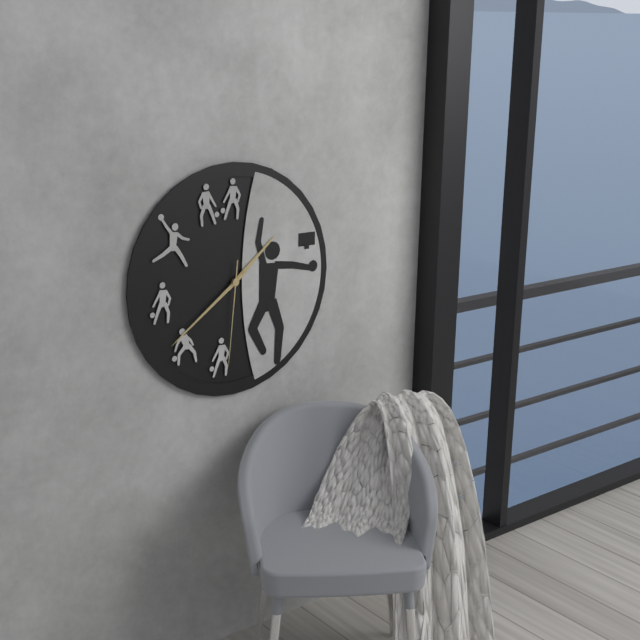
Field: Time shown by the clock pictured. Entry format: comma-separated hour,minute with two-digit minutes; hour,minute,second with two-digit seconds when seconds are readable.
1,39,31
